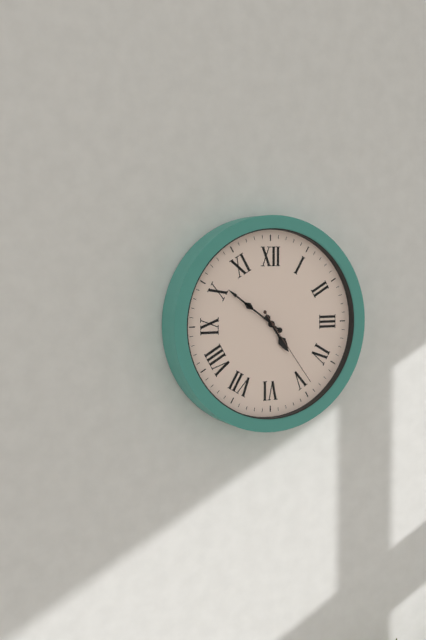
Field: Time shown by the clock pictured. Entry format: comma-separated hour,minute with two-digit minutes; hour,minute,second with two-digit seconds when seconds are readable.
4,51,24
